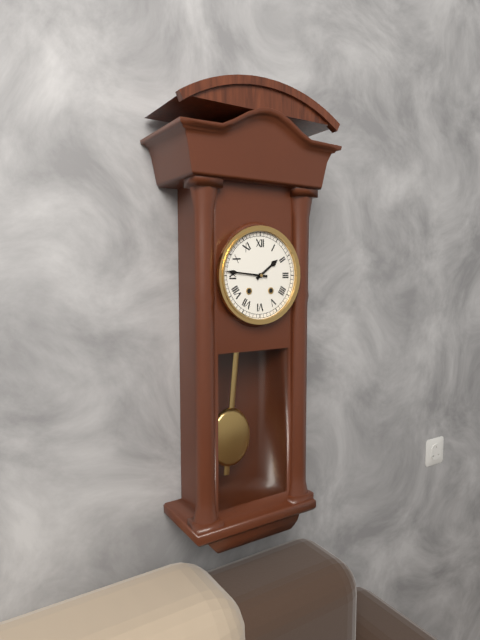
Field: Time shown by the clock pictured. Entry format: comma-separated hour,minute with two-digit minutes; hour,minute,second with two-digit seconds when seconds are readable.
1,46
